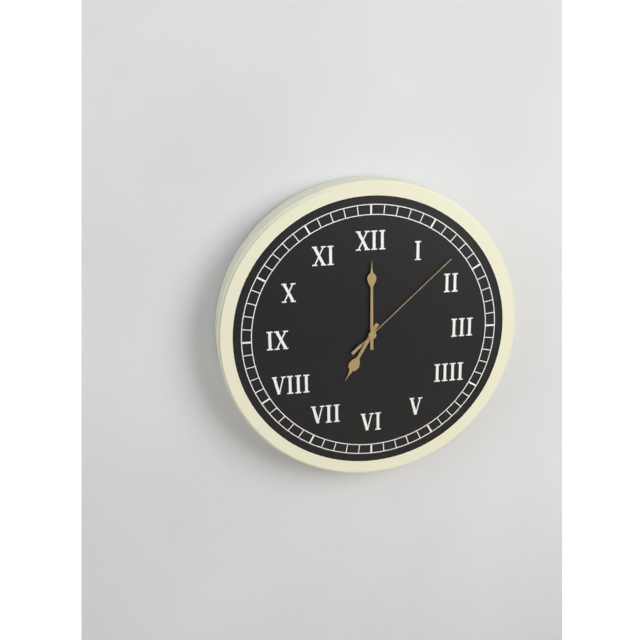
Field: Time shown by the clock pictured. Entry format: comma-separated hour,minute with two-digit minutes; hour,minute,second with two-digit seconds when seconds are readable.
7,00,08
